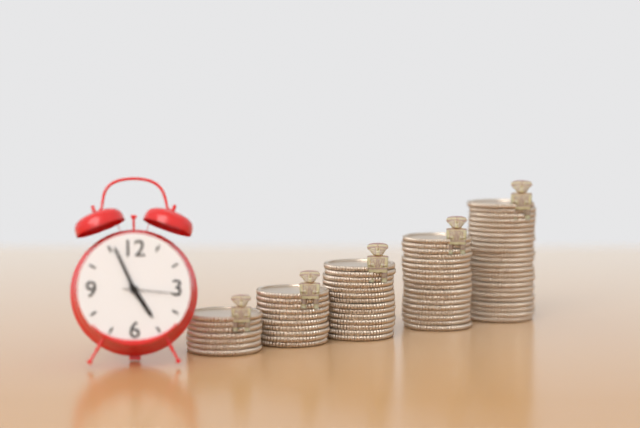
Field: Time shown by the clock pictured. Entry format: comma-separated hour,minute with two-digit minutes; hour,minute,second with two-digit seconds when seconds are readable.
4,56,16
